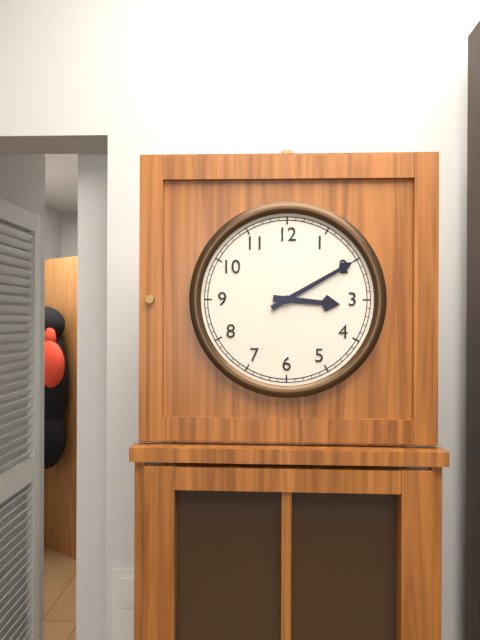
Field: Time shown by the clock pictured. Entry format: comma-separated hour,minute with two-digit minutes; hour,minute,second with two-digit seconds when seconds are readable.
3,10
